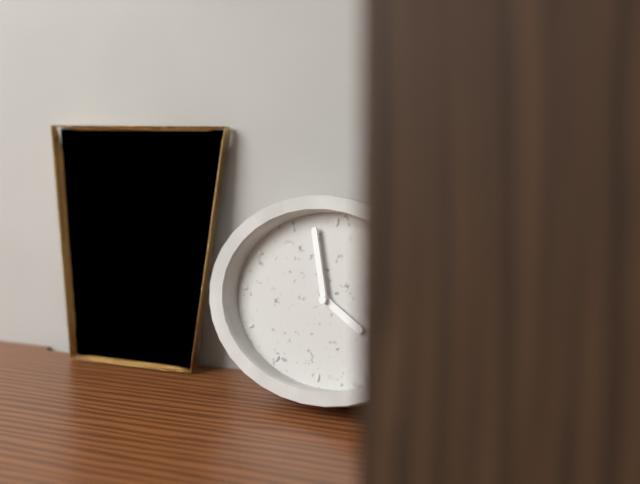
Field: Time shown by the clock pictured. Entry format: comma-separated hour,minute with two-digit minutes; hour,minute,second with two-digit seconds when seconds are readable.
3,57
